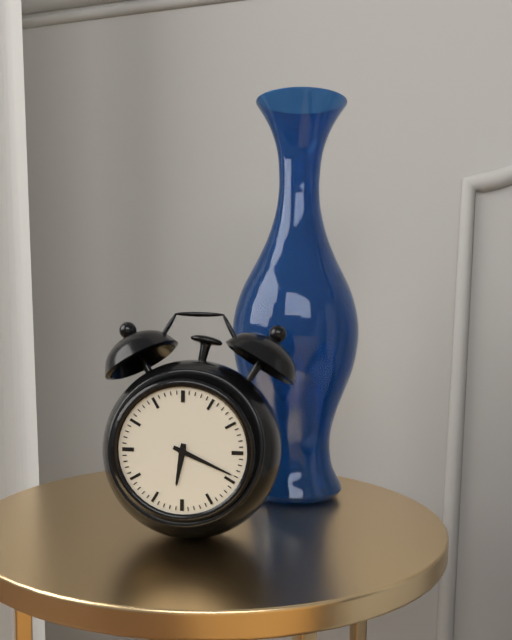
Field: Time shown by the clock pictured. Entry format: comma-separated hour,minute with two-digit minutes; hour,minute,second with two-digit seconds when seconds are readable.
6,19
